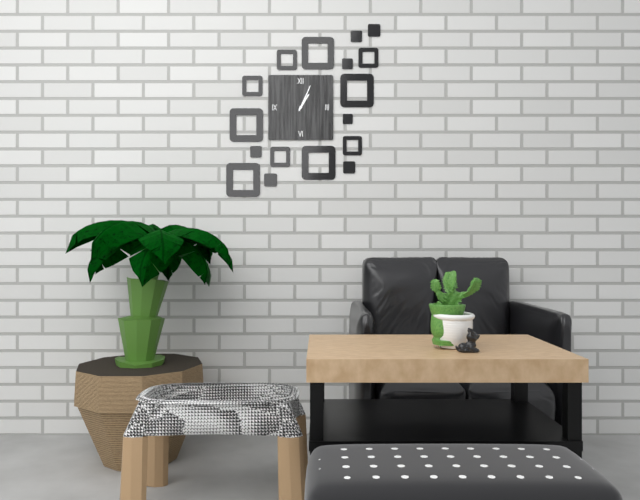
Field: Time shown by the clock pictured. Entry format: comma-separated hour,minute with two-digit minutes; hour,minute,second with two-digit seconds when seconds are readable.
1,04
